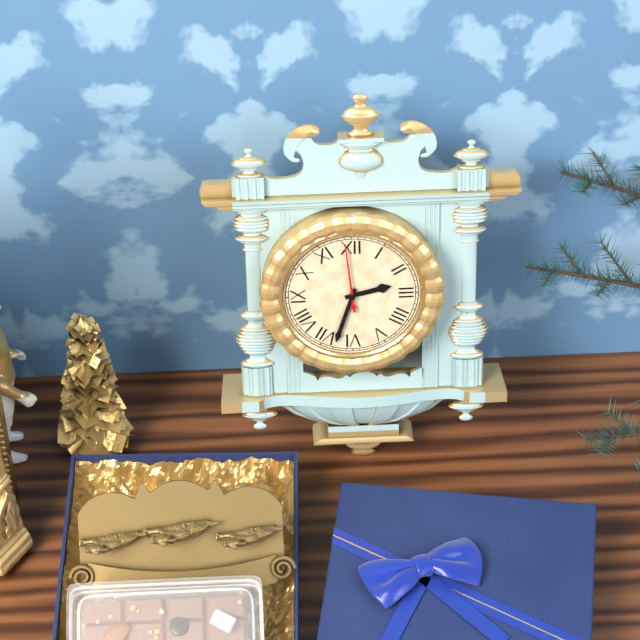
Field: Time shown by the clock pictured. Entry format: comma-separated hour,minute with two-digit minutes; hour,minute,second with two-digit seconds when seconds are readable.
2,33,59
